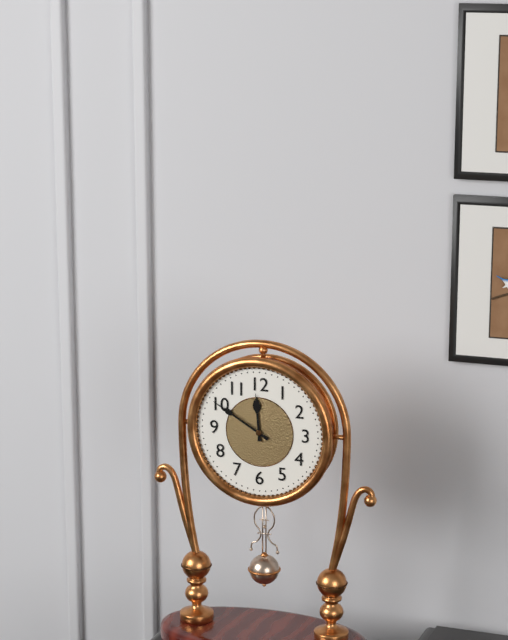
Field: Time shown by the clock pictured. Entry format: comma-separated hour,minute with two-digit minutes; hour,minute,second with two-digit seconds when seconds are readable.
11,50
